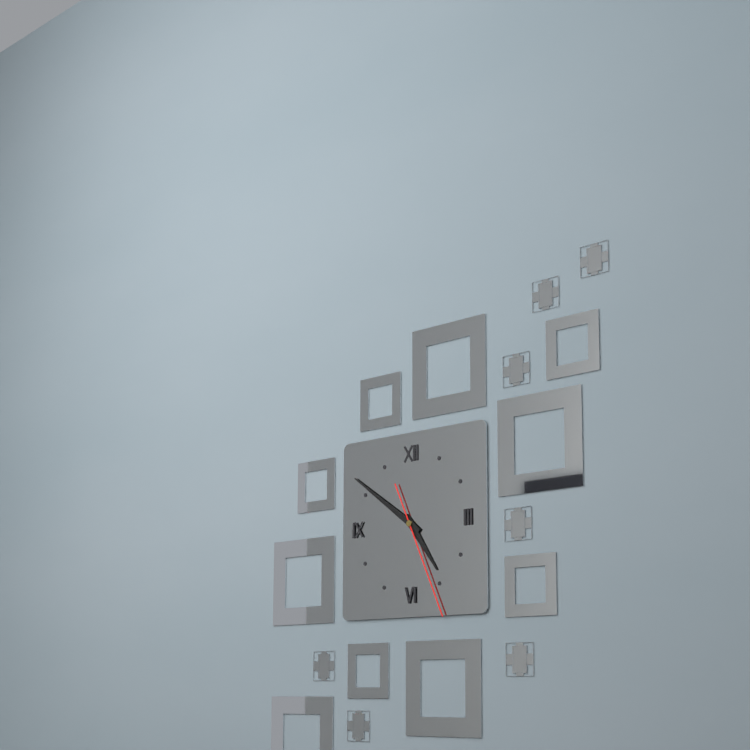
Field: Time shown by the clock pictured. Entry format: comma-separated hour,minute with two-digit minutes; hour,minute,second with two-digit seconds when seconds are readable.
4,51,26
